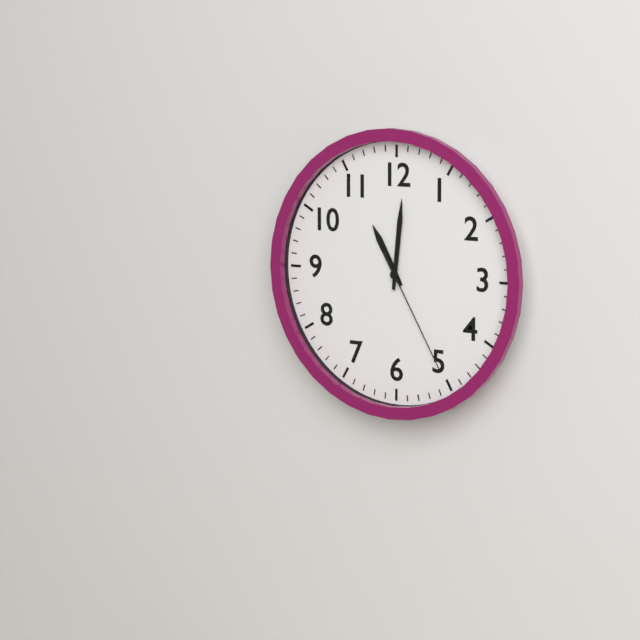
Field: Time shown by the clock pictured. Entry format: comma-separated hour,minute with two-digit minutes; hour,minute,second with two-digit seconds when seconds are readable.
11,01,25
